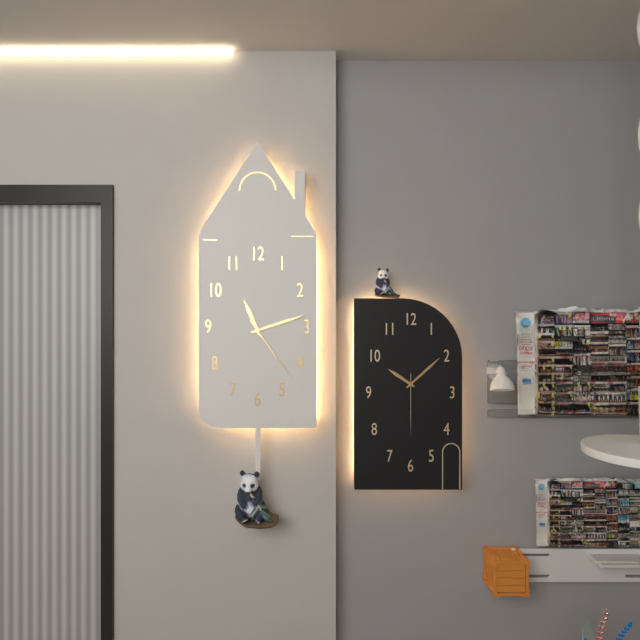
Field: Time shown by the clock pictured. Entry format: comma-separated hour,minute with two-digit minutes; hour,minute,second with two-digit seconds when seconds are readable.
11,12,24
